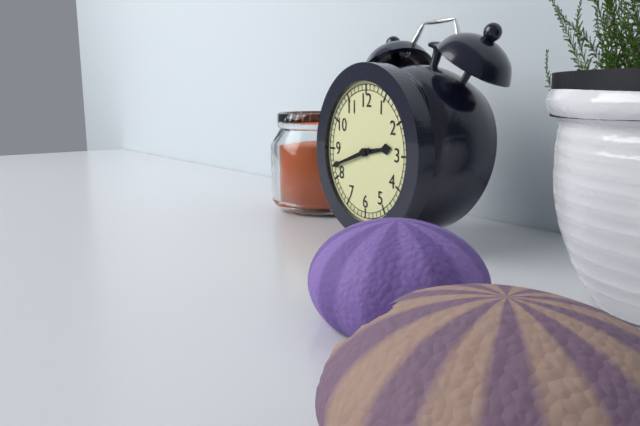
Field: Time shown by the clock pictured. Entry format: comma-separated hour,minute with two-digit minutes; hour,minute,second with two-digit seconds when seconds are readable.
2,42
